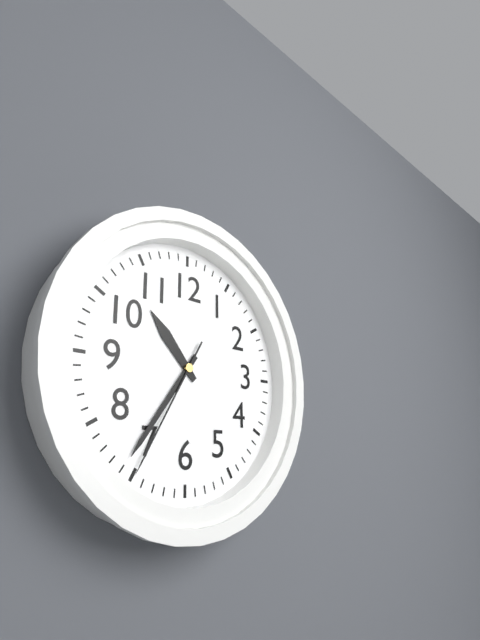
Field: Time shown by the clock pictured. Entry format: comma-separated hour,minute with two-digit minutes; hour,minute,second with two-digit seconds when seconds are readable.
10,36,35
